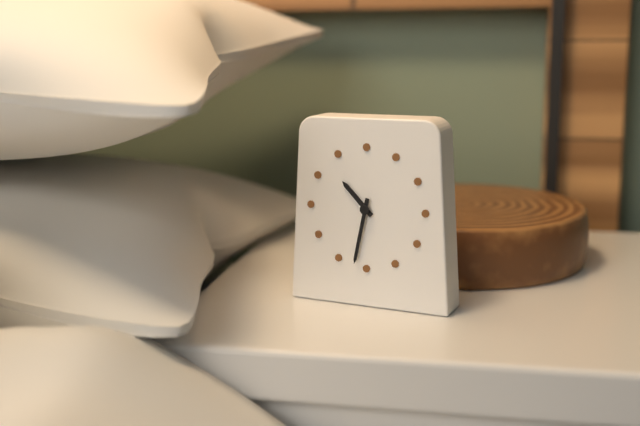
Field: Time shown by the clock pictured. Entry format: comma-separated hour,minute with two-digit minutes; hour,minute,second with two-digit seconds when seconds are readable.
10,32
